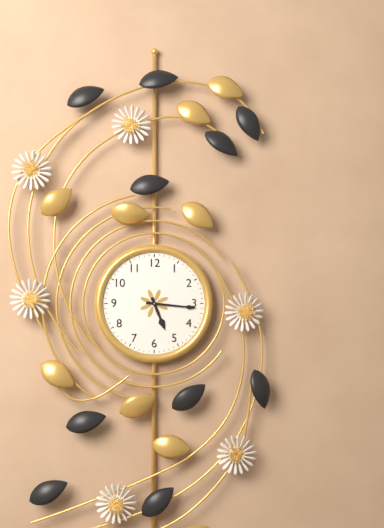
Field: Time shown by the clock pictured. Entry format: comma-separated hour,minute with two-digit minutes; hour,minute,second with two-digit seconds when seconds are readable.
5,16
